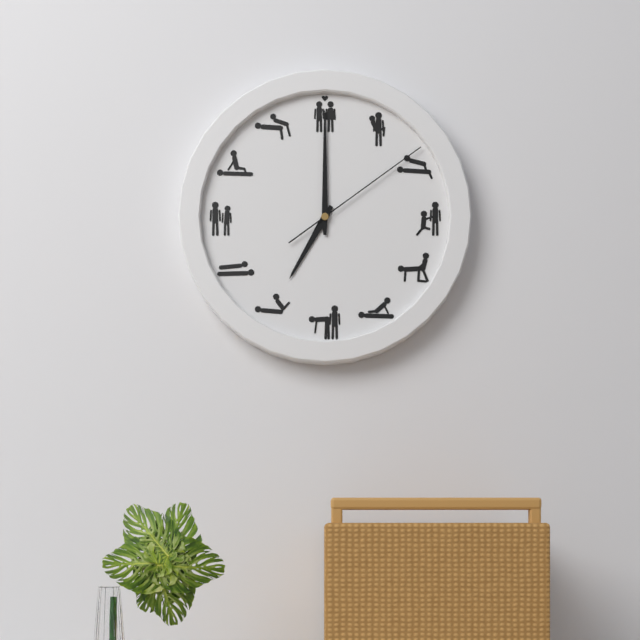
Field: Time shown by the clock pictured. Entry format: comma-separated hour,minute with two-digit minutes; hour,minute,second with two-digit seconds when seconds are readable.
7,00,09
